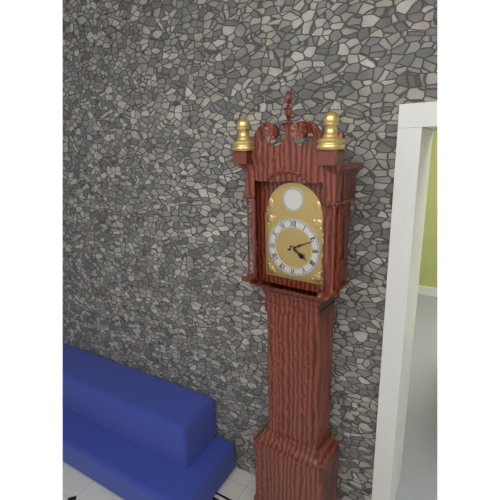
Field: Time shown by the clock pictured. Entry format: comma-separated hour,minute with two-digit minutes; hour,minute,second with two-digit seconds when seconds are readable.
4,11
